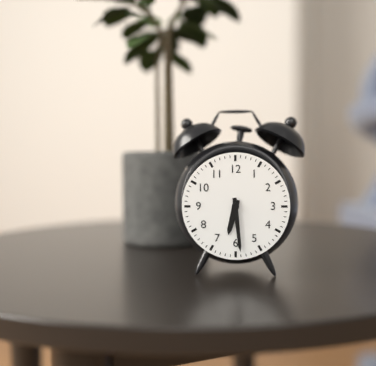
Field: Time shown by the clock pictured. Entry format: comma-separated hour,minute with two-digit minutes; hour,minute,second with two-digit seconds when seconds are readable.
6,29
